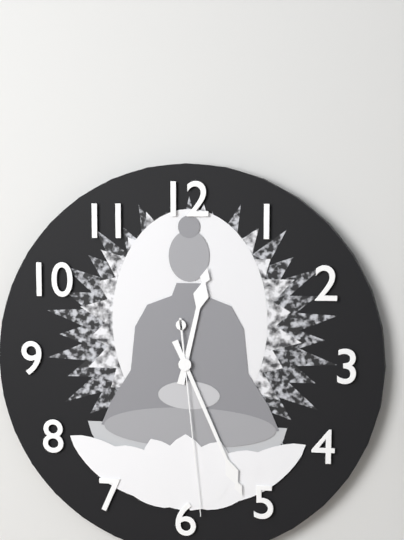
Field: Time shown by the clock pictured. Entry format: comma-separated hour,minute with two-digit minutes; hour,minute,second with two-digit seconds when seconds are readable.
12,26,29
